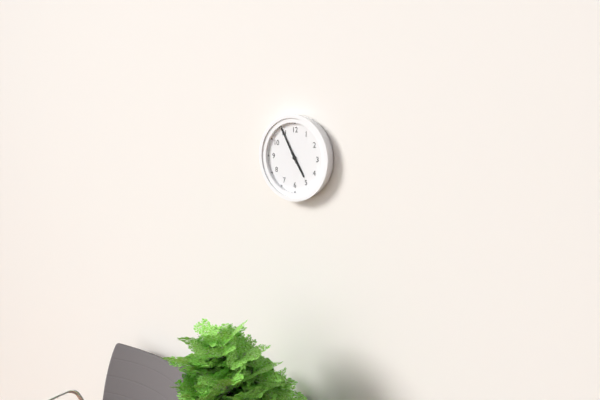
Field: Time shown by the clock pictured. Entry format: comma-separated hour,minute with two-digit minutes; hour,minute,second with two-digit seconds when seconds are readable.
4,55
